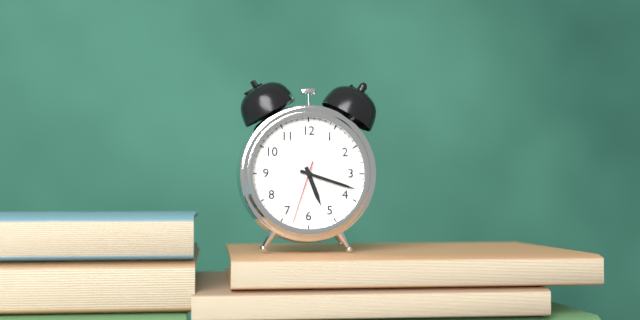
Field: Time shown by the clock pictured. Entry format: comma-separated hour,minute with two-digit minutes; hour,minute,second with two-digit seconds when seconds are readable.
5,18,33
